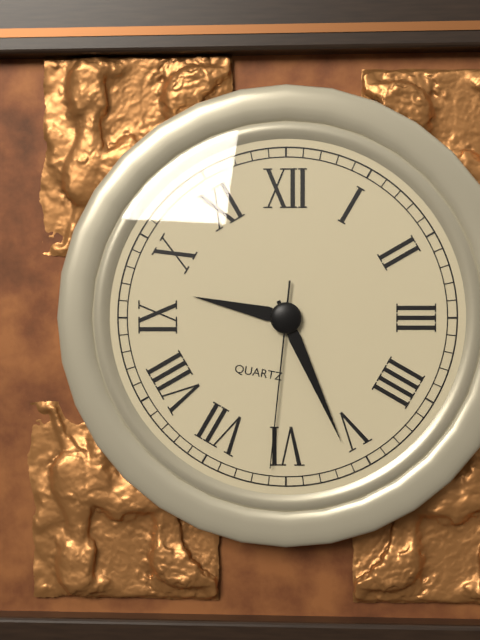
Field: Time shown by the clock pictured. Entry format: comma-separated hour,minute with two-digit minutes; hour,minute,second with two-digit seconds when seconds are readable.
9,26,31
